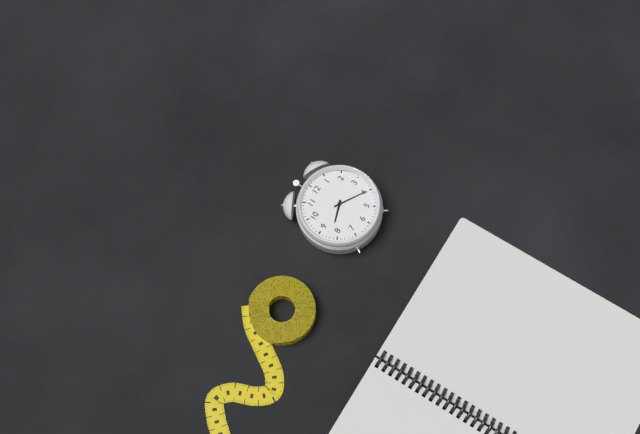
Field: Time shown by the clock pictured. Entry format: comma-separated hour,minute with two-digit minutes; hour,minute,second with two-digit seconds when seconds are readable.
8,20
